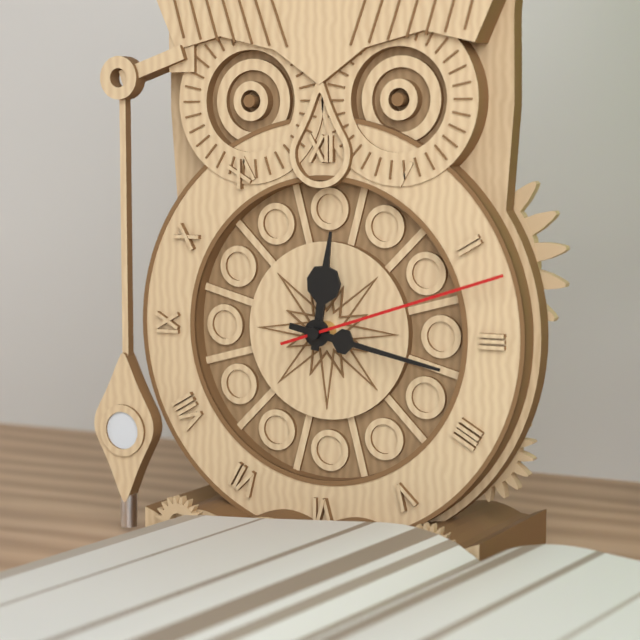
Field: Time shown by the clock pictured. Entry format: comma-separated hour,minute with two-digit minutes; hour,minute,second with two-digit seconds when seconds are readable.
12,17,12
